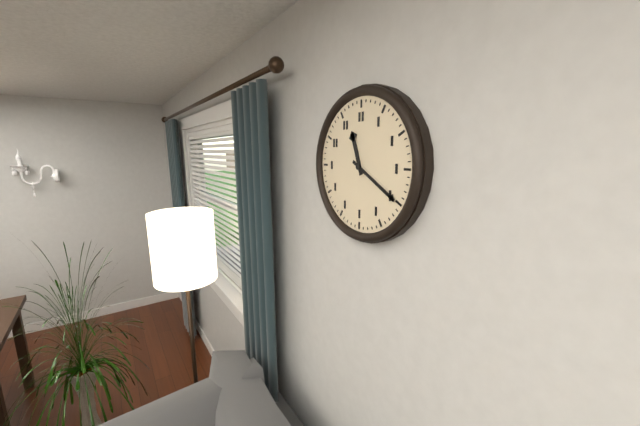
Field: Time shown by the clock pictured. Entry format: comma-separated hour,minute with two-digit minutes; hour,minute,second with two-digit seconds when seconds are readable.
11,20
